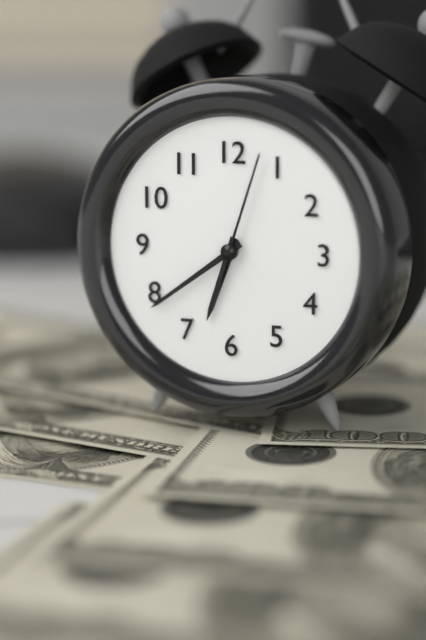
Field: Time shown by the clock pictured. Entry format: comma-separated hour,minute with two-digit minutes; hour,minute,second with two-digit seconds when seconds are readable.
6,39,03
